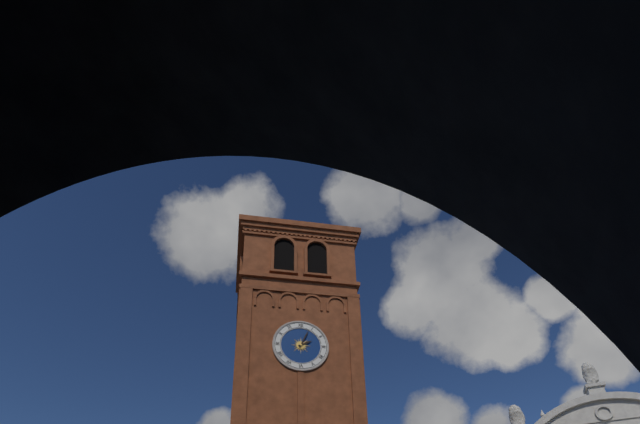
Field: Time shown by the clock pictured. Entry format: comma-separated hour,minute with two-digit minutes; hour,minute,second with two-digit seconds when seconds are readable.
2,04
